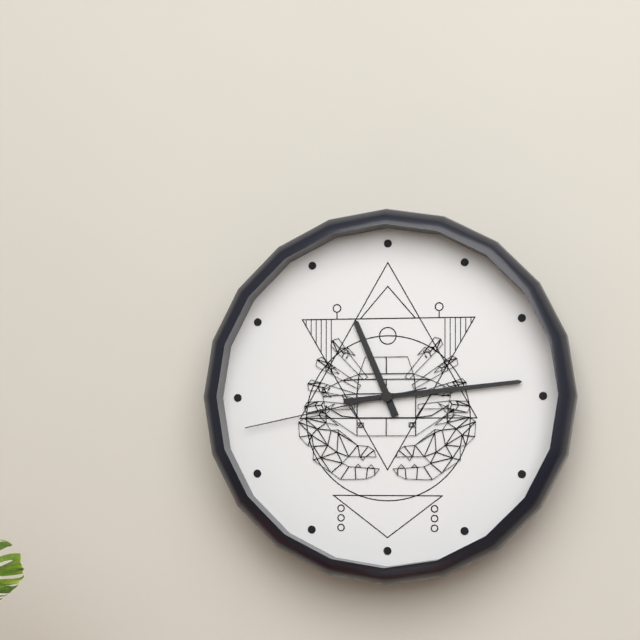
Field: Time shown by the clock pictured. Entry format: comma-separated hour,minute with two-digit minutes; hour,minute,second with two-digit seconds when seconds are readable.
11,14,43
